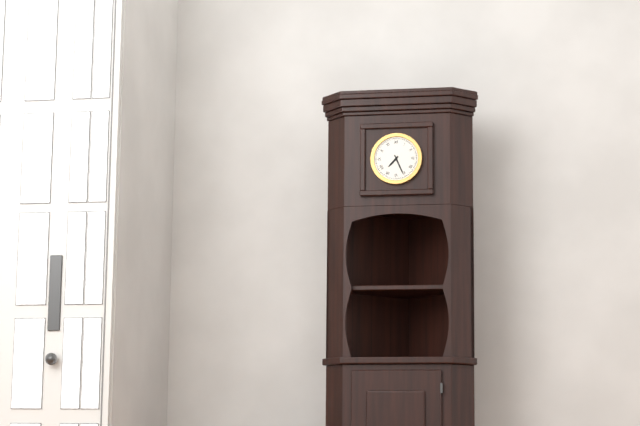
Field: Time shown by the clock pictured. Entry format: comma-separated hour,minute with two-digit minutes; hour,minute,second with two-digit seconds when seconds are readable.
7,26
